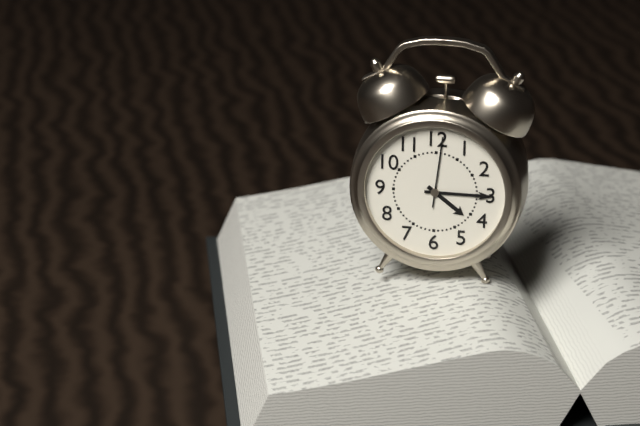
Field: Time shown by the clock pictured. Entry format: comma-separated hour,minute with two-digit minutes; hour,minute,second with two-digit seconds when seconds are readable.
4,15,01
